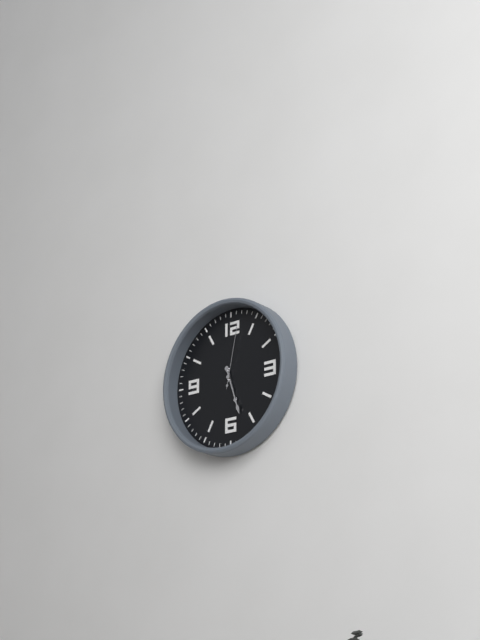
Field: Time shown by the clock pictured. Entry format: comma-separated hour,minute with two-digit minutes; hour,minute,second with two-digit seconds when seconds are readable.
5,27,02
